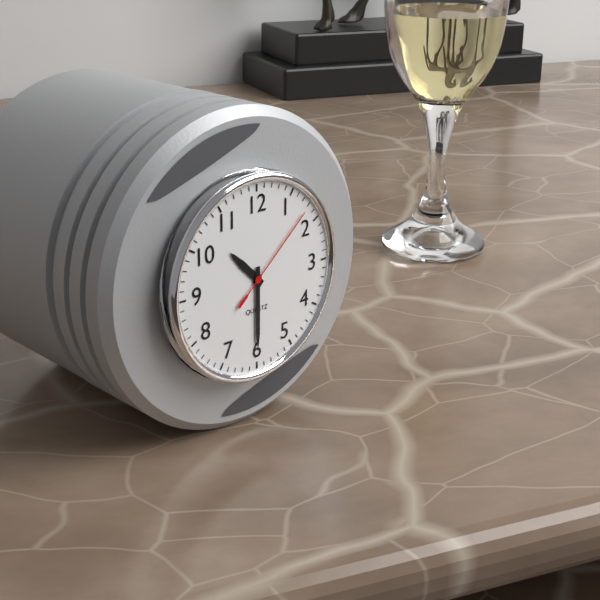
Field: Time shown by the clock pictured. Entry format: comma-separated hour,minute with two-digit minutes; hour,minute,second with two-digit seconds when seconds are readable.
10,30,08
